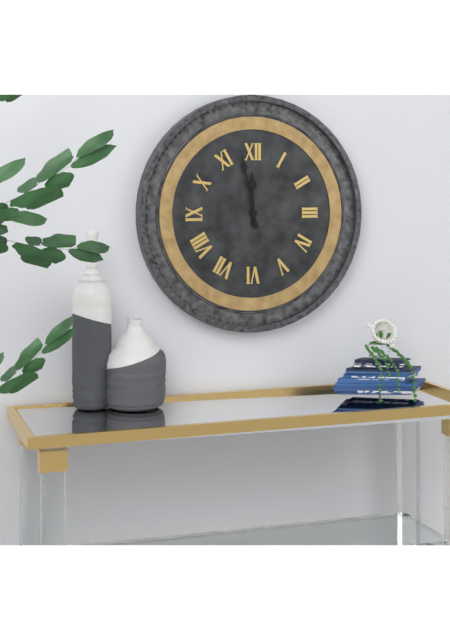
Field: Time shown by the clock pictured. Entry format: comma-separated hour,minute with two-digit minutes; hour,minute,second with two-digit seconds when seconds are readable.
11,58
